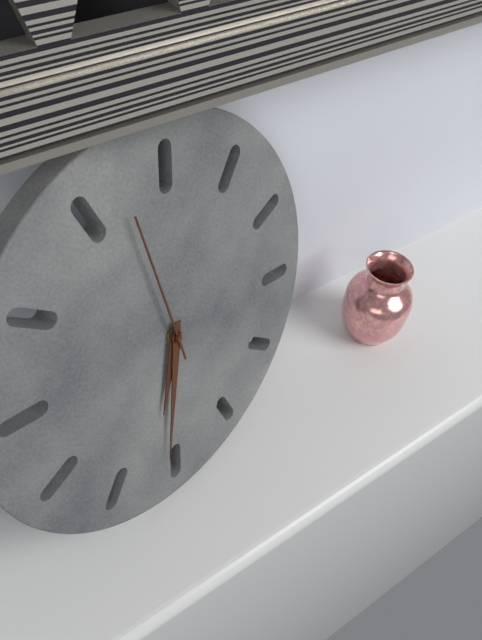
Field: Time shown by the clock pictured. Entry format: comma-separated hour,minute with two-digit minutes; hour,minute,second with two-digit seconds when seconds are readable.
5,26,52
